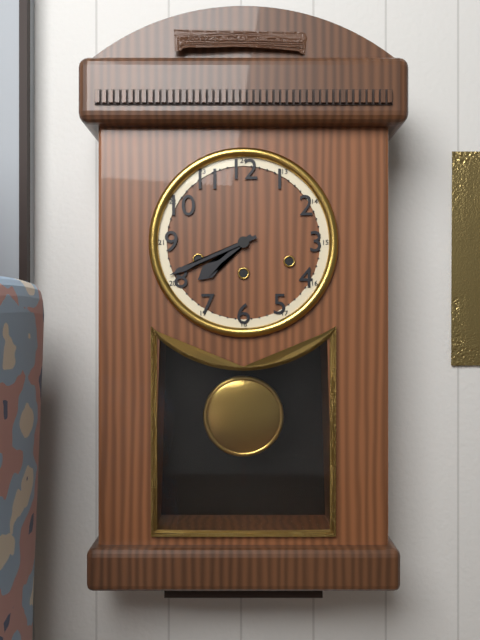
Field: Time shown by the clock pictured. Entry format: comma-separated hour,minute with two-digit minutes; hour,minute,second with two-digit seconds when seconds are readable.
7,41
